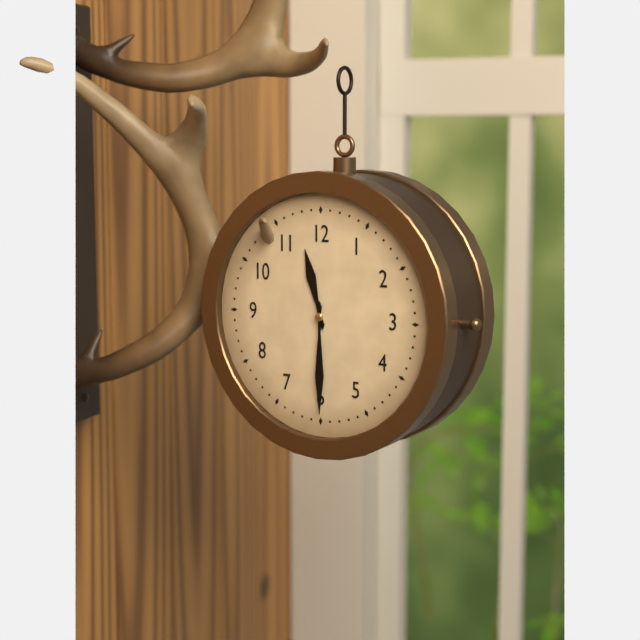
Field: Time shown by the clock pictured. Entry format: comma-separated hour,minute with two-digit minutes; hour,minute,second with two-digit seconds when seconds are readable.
11,30
